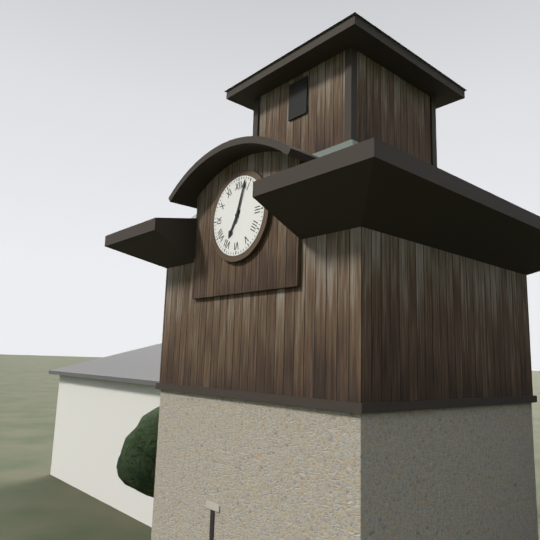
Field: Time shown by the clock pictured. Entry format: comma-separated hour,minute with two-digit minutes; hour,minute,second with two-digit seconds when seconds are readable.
7,03
